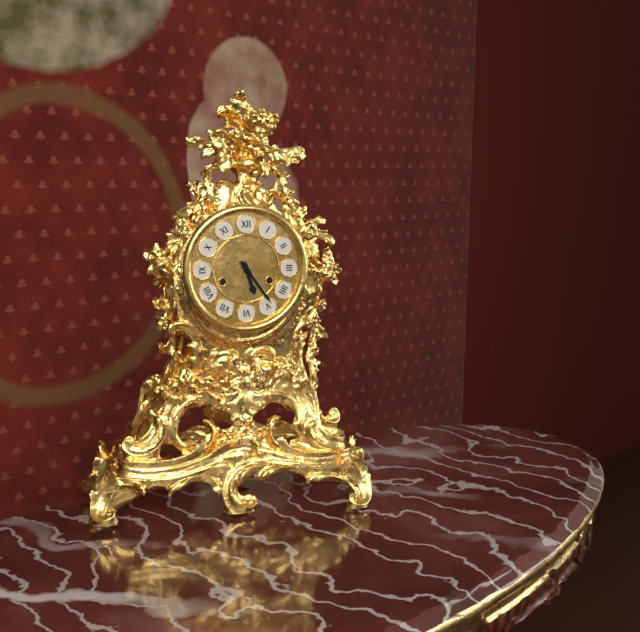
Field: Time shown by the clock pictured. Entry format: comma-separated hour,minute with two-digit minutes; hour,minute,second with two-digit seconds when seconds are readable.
5,24
